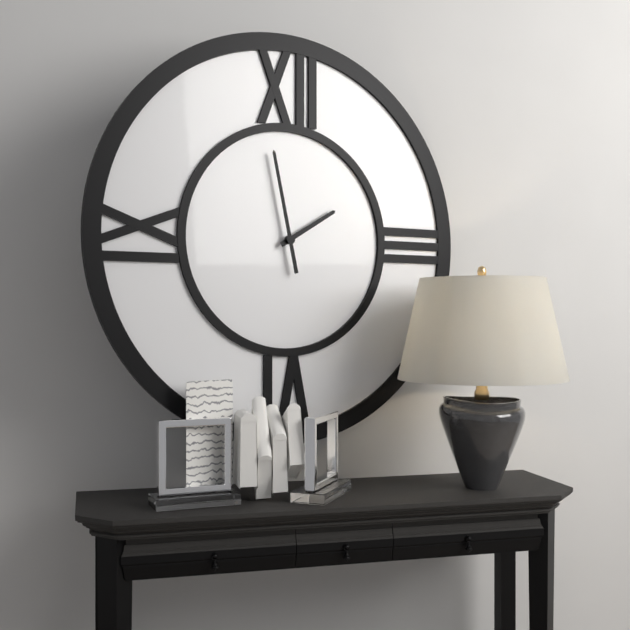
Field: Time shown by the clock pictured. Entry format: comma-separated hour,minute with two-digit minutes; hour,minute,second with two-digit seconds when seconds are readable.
1,58
